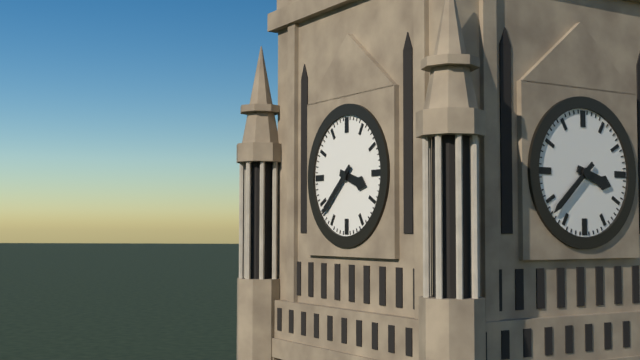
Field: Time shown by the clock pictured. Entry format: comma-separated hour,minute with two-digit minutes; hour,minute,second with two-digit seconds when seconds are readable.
3,38
